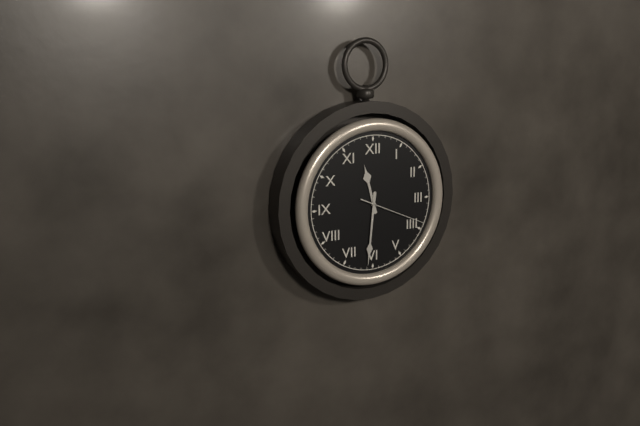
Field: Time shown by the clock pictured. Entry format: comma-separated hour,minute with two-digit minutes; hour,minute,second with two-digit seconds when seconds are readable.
11,31,19
